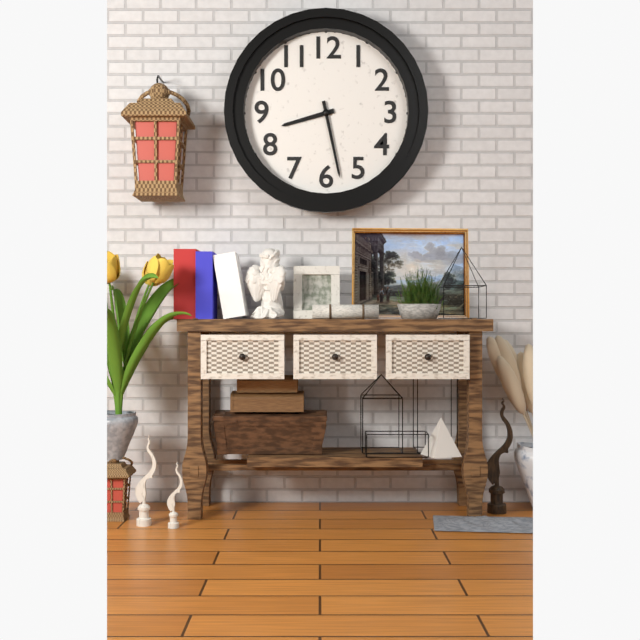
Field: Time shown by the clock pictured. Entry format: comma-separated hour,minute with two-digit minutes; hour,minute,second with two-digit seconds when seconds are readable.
8,28
